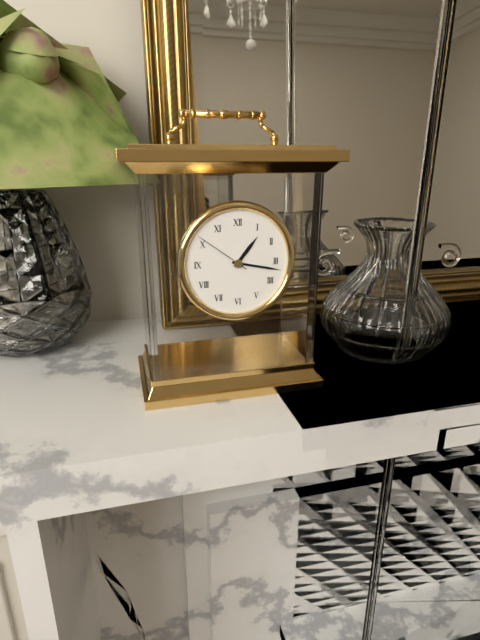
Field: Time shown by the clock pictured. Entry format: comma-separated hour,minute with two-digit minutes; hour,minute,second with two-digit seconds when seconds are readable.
1,17,51
